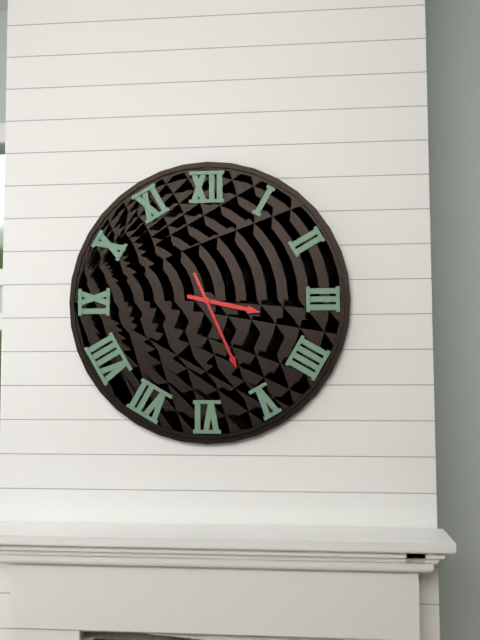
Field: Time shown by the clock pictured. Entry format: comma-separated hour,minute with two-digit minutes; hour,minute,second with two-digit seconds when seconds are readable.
3,26
